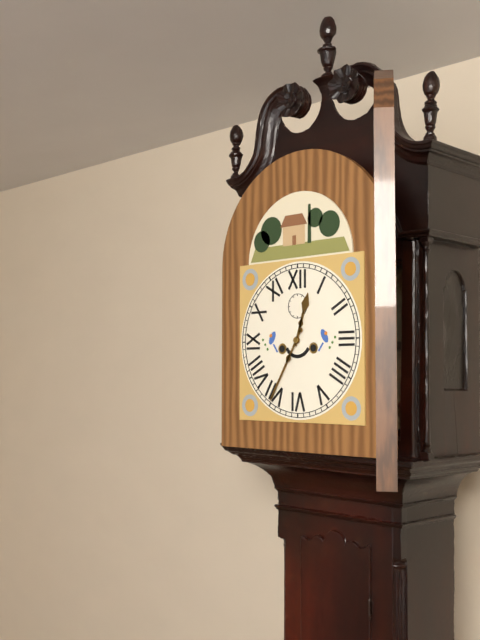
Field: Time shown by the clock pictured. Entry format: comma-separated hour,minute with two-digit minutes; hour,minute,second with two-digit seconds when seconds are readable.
12,35
